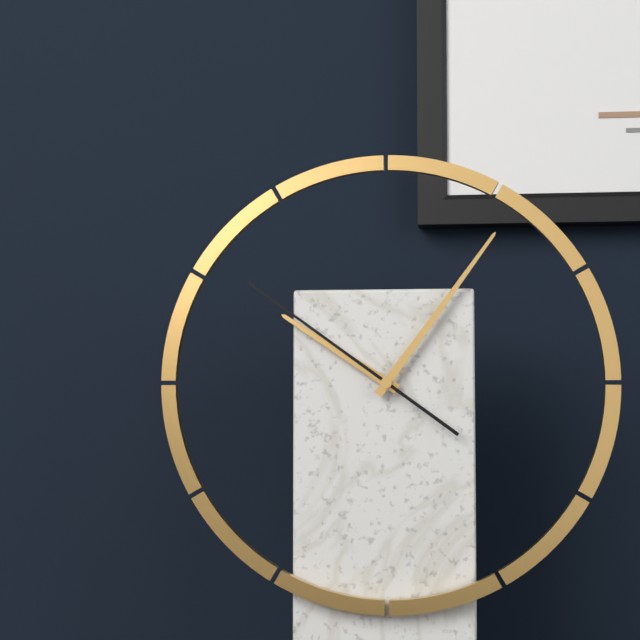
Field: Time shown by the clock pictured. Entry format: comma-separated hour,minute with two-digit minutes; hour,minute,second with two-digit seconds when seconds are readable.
10,06,51
